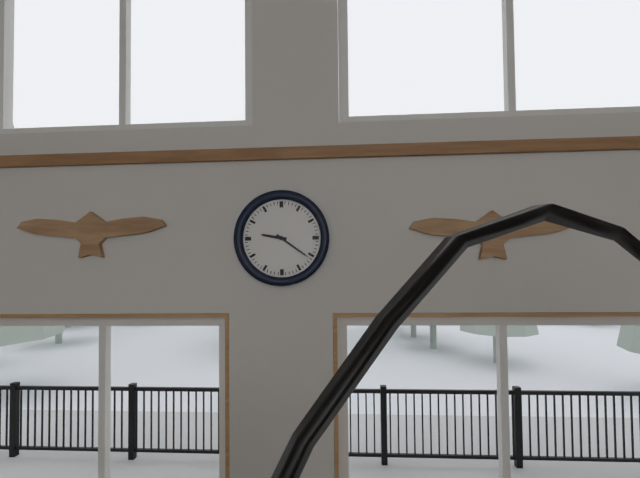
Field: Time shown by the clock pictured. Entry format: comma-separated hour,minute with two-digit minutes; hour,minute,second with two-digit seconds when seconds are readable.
9,21
